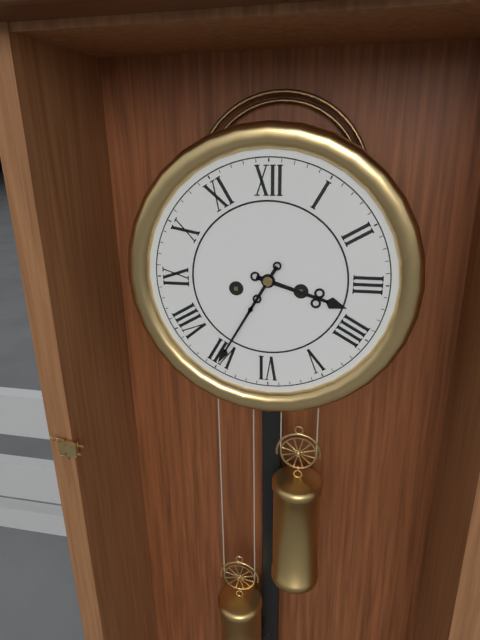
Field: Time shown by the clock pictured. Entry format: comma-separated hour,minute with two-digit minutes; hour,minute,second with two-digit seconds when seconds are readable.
3,35
